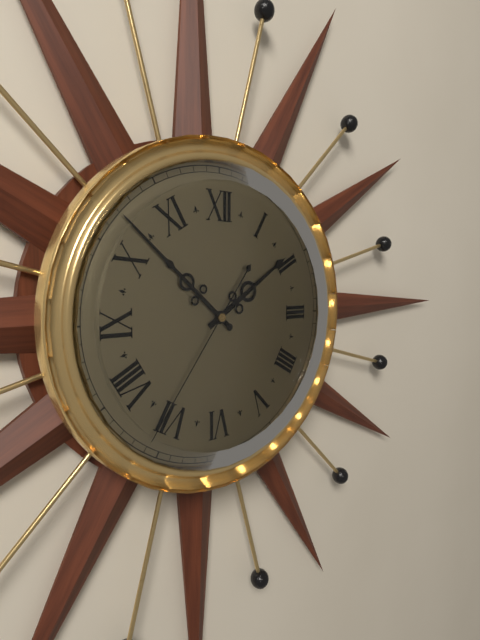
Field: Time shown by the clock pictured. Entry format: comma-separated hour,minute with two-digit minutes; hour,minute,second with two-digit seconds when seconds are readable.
1,52,36
